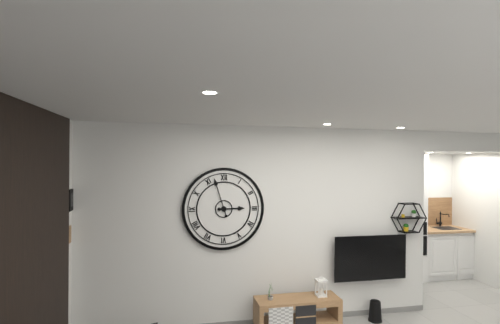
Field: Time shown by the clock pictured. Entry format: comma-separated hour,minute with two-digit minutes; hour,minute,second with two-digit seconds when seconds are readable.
2,57
